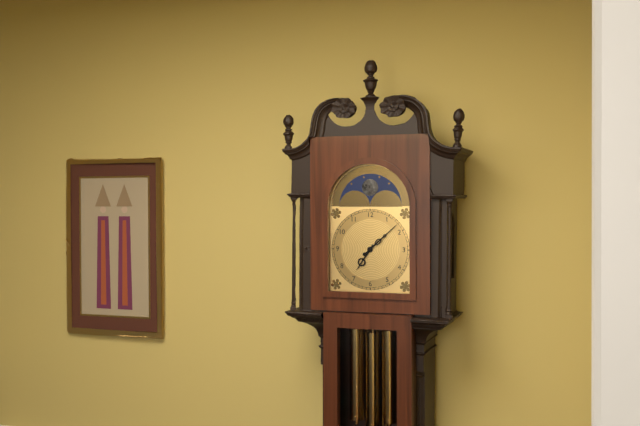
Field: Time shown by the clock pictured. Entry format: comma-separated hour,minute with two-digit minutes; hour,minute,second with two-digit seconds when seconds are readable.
7,08
